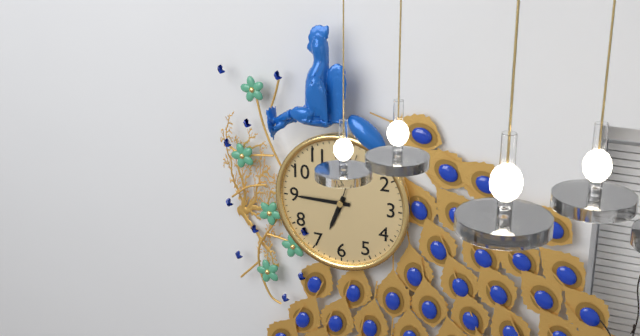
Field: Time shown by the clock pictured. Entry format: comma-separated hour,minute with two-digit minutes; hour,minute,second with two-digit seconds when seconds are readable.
6,45,03
